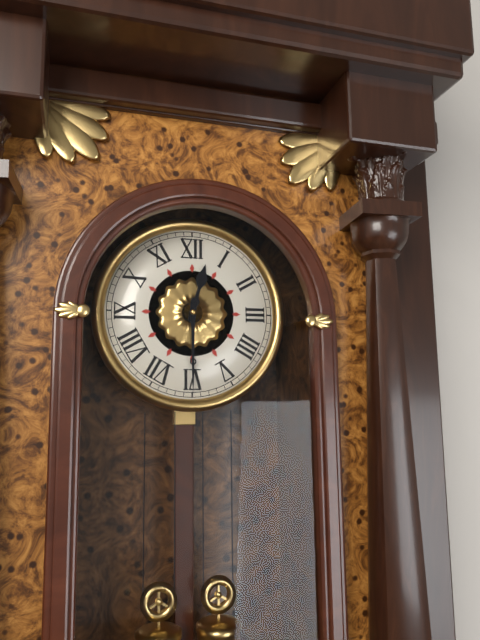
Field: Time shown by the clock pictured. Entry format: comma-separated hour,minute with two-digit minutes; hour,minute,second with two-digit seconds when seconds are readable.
12,30
